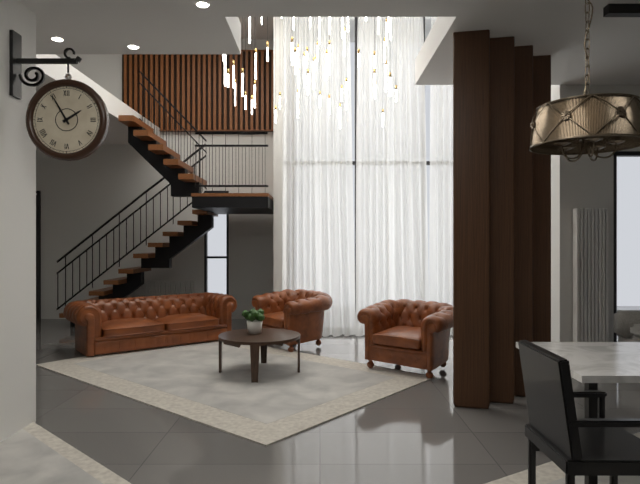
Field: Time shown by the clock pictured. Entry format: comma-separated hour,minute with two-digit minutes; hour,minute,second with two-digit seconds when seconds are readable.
1,55
